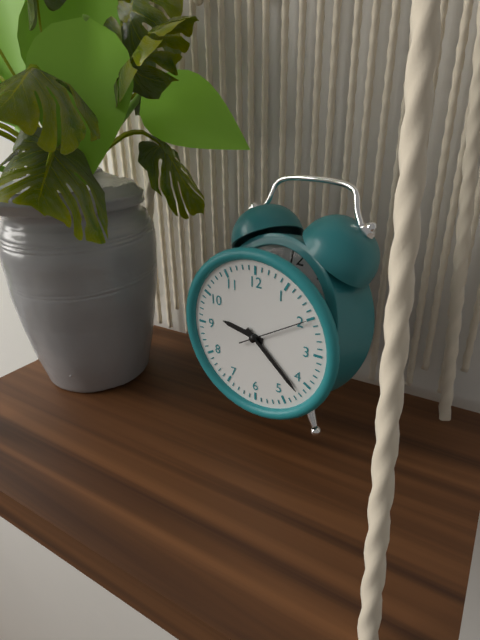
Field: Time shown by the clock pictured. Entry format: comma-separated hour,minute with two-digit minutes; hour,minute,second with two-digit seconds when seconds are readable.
9,22,10
